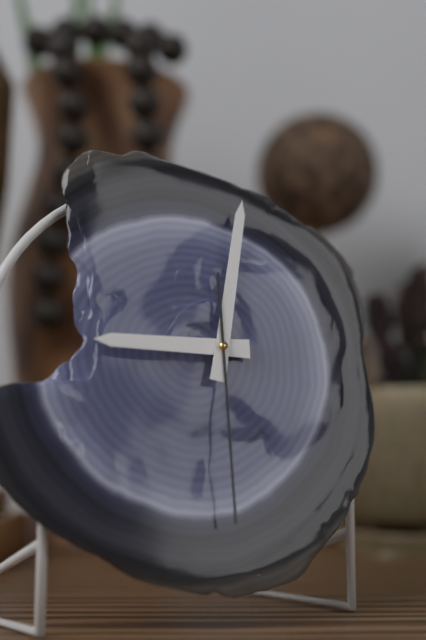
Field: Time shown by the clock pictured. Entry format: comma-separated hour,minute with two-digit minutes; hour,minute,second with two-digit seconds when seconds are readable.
9,02,30
